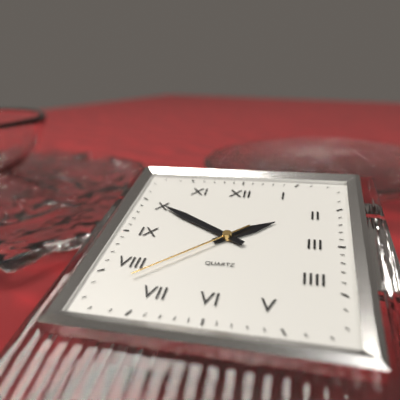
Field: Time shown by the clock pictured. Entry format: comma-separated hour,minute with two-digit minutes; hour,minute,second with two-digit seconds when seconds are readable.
1,50,38
